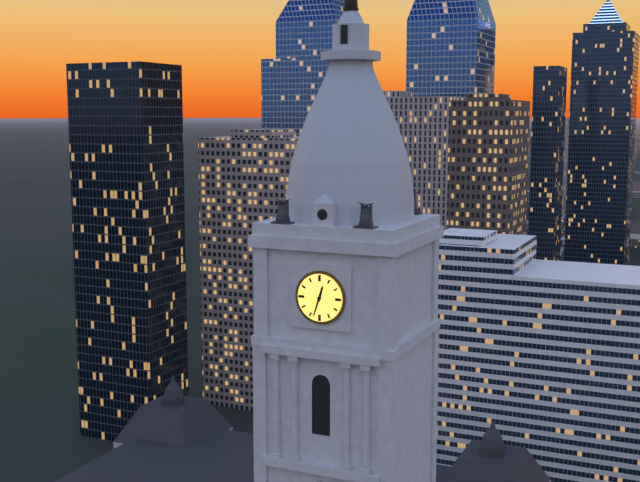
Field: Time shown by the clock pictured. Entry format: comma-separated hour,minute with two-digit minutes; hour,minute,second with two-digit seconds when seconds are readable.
12,33
